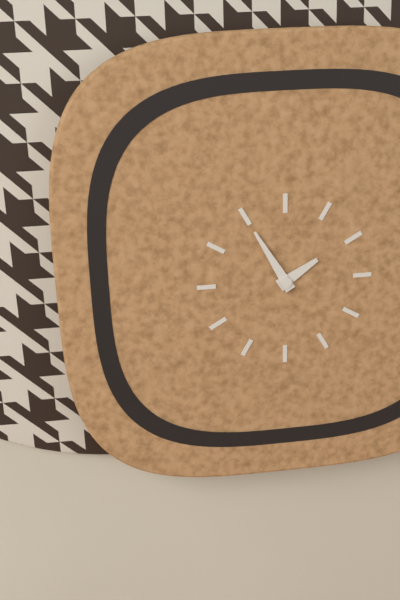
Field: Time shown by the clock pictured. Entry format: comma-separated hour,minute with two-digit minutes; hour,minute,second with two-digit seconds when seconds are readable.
1,55
